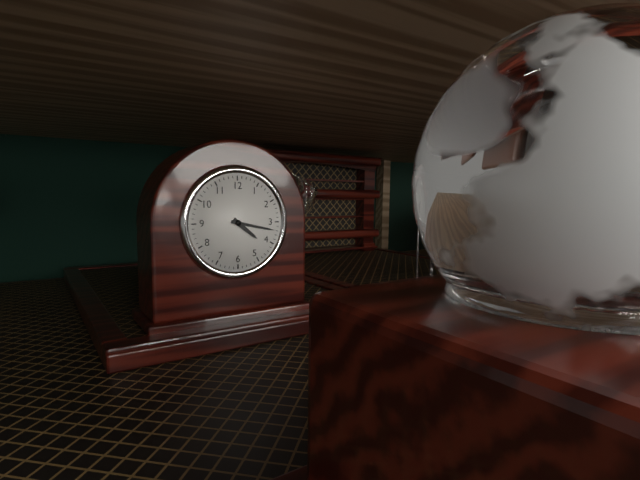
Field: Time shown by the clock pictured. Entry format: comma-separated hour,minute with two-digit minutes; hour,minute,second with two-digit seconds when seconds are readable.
4,17
